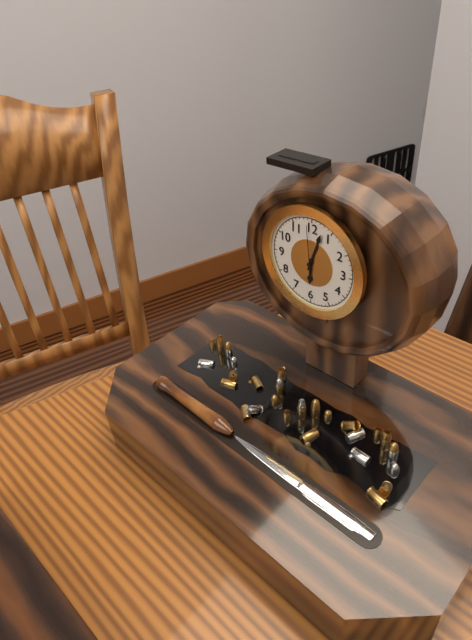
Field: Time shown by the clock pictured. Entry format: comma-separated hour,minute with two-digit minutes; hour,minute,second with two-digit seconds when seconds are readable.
6,03
